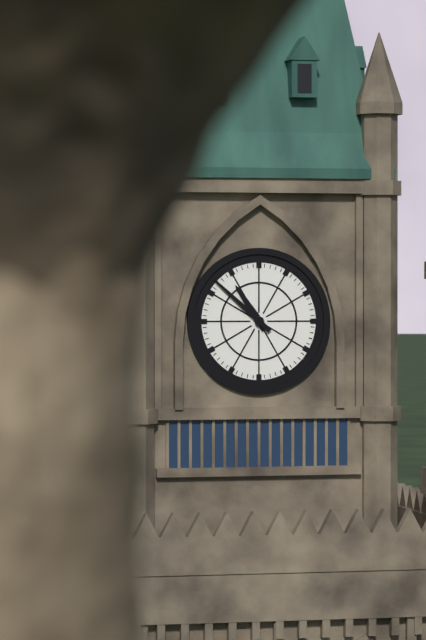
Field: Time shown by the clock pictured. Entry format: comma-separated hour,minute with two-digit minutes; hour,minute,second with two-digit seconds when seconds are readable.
10,52
